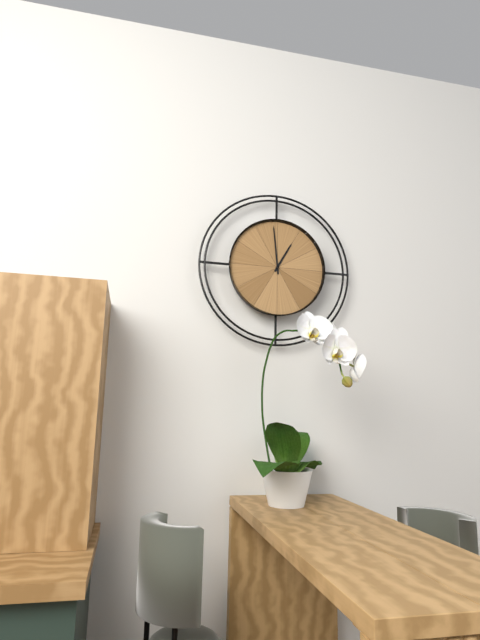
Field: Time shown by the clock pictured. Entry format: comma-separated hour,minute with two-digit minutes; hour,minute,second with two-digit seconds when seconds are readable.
12,59
